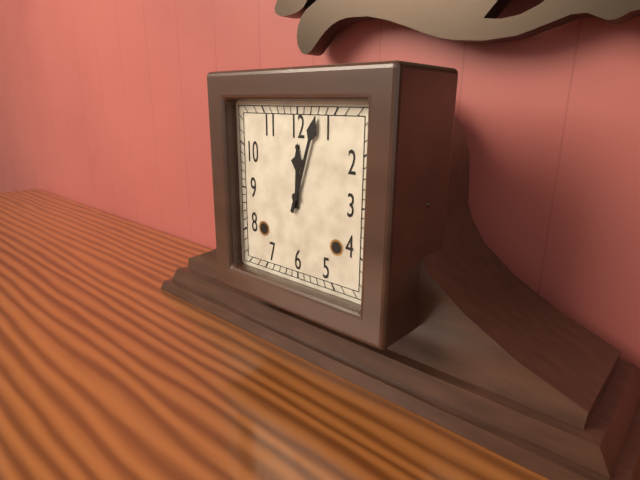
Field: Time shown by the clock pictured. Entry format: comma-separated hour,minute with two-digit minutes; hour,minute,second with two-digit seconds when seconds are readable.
12,03
